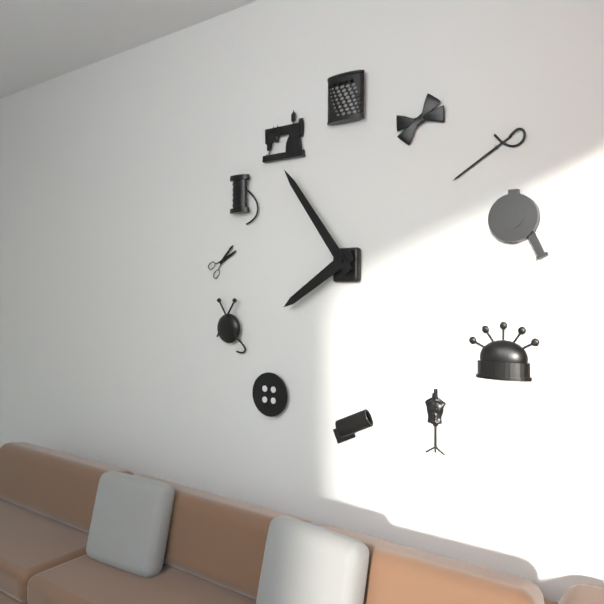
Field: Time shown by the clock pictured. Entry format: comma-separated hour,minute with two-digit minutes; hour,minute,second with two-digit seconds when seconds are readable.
7,54
